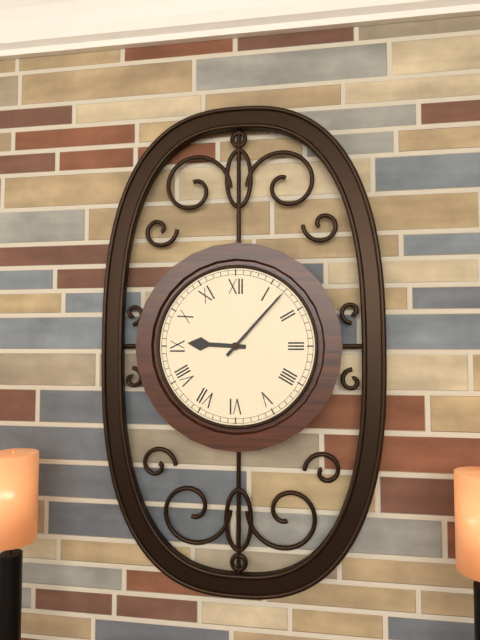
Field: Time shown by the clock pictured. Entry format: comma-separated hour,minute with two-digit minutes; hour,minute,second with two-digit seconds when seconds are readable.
9,07
